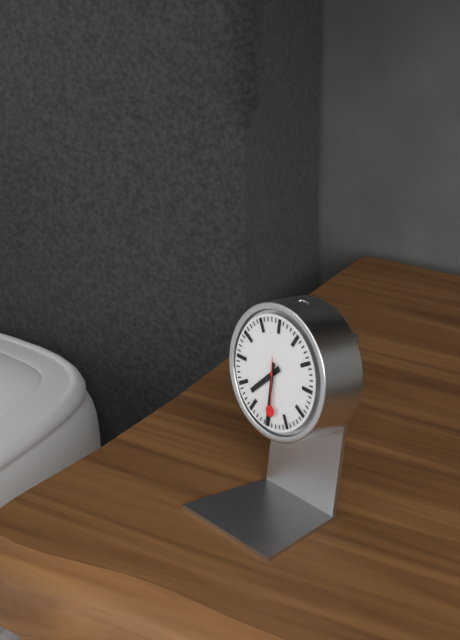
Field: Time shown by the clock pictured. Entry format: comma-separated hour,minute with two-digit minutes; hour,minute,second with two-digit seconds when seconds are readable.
7,30,29
